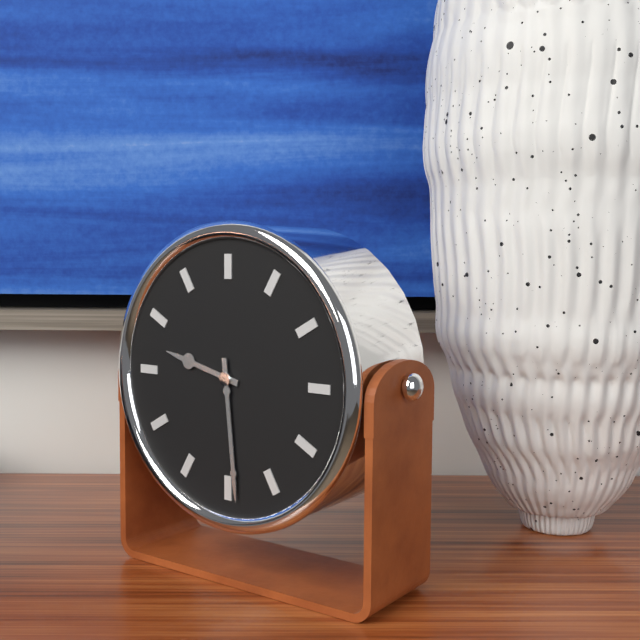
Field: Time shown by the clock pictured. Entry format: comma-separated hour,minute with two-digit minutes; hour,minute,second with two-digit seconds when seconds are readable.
9,29
